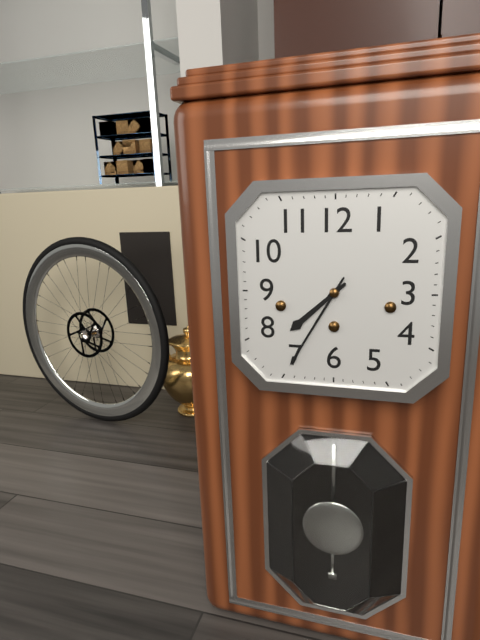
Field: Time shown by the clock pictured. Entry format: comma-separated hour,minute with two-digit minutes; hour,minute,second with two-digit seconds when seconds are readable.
7,35
